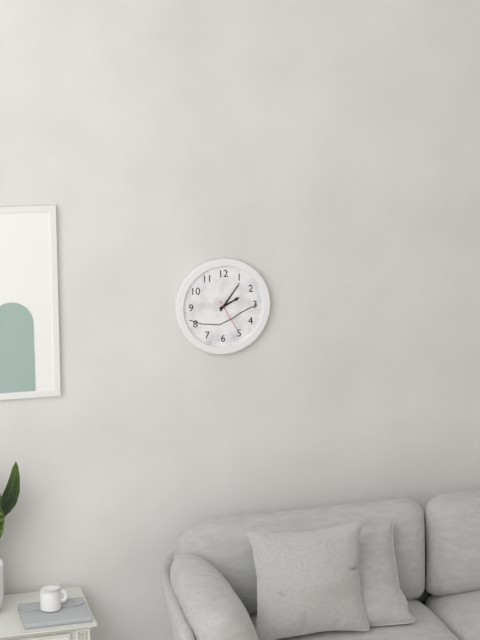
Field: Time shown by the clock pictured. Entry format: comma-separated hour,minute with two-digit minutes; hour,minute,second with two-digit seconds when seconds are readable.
2,06
